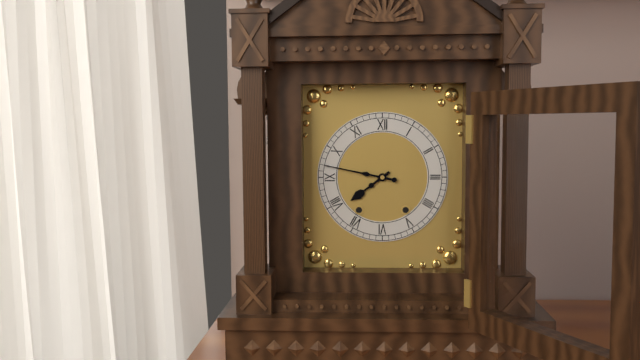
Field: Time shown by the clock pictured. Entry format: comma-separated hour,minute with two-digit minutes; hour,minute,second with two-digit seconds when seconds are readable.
7,47
